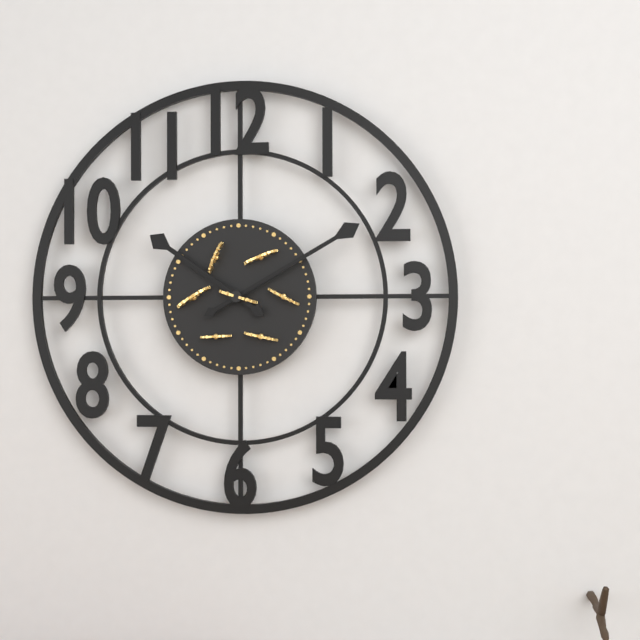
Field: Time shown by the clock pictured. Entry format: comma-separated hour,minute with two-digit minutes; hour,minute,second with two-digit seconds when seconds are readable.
10,10
